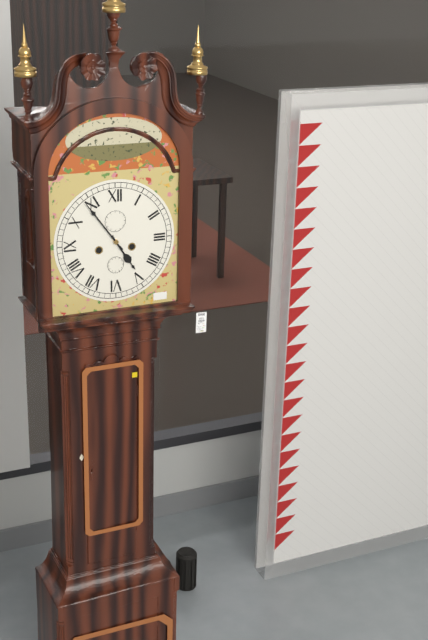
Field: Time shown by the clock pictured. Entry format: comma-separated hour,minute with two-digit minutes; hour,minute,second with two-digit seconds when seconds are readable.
4,54
